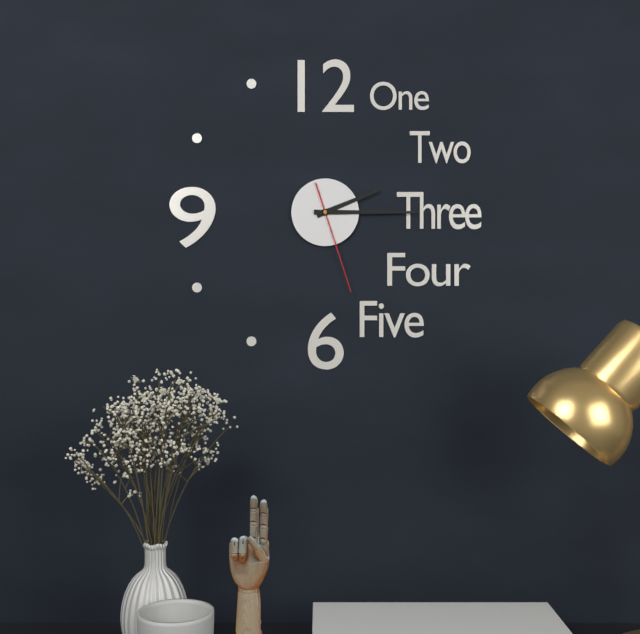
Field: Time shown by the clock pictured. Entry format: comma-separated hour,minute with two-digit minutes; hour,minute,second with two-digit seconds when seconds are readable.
2,15,27
